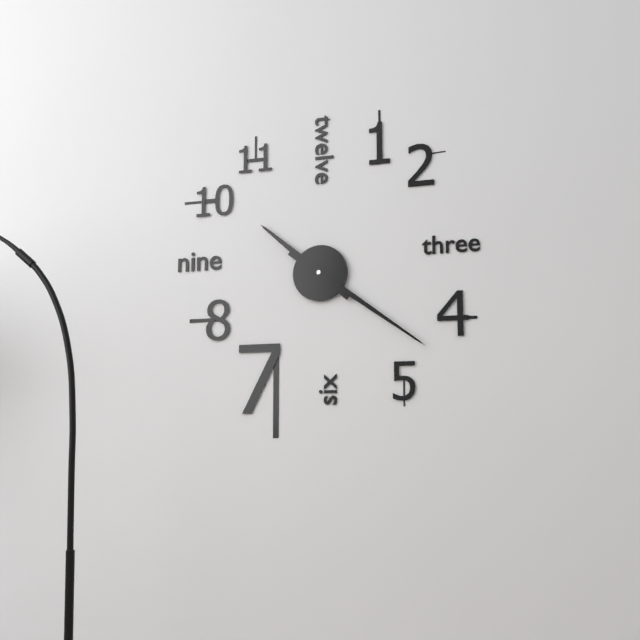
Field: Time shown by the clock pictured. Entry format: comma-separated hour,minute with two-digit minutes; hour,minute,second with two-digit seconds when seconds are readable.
10,21
